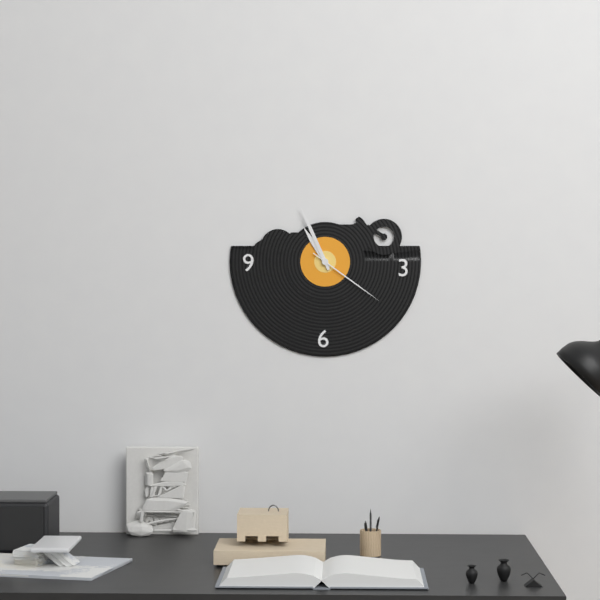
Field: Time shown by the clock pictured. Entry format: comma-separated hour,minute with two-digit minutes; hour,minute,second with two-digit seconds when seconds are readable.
10,56,21
